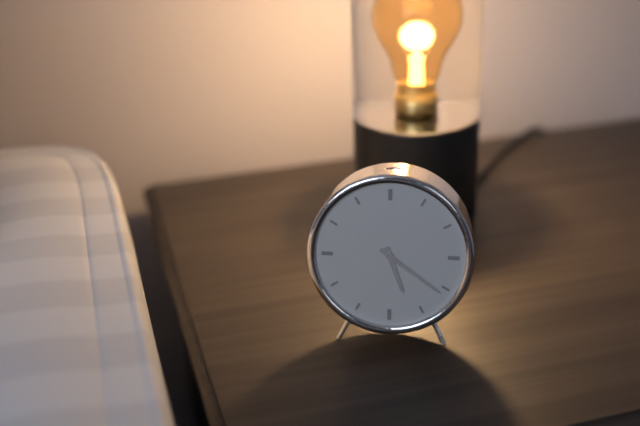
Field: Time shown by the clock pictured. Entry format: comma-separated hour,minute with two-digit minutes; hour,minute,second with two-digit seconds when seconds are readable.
5,21
